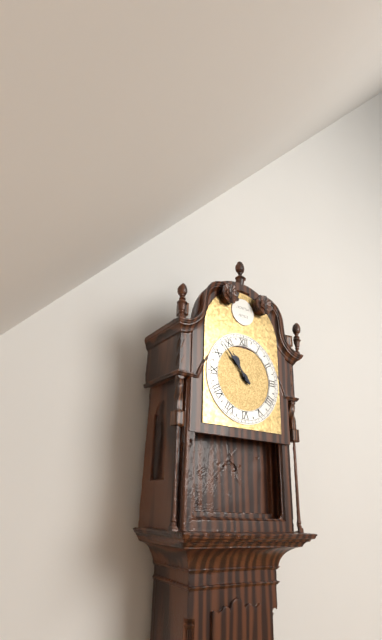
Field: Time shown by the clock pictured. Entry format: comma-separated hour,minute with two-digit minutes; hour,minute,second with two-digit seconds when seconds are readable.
10,53
